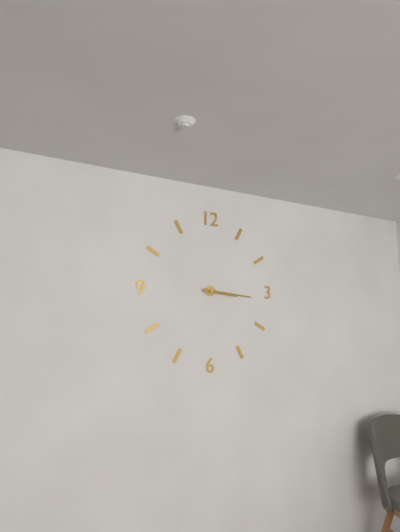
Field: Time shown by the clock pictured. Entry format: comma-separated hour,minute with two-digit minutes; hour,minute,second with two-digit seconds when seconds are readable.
3,16
